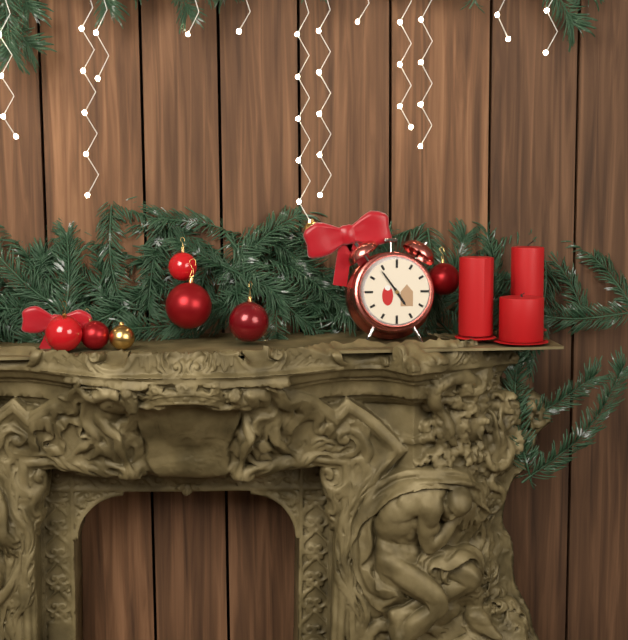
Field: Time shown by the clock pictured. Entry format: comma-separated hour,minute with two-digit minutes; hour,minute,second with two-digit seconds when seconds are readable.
4,54
